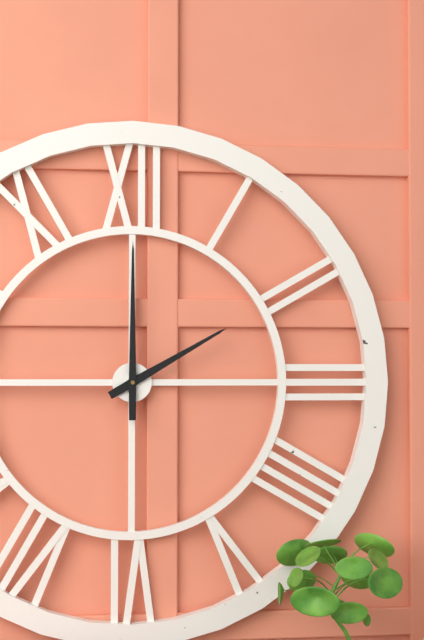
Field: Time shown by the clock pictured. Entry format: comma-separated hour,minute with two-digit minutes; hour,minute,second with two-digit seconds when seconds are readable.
2,00
